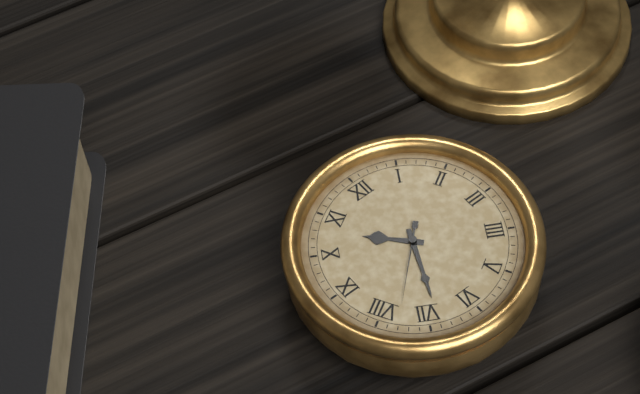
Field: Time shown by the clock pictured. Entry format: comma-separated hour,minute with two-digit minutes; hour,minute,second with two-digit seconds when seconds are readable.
10,34,38
